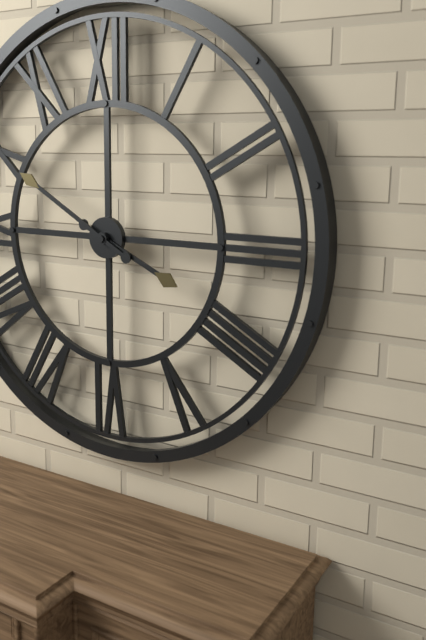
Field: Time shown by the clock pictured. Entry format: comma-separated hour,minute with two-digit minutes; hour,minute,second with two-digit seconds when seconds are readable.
3,50
